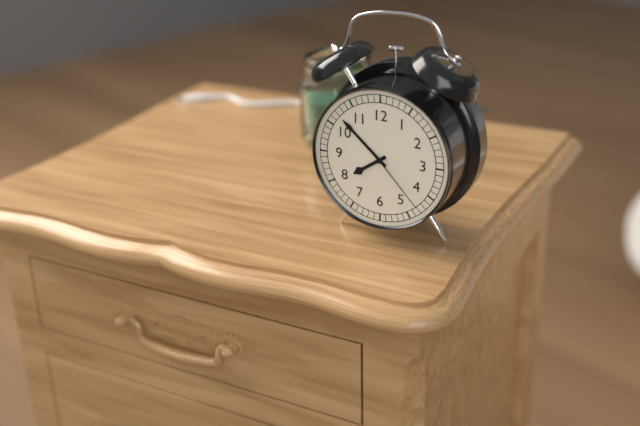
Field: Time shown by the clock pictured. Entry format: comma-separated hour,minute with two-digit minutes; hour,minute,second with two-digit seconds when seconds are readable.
7,52,23
